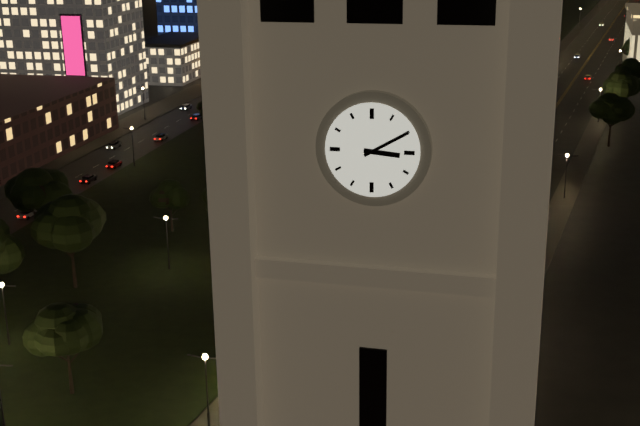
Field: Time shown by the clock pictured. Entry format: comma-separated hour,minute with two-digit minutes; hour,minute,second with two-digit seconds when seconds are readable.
3,10
